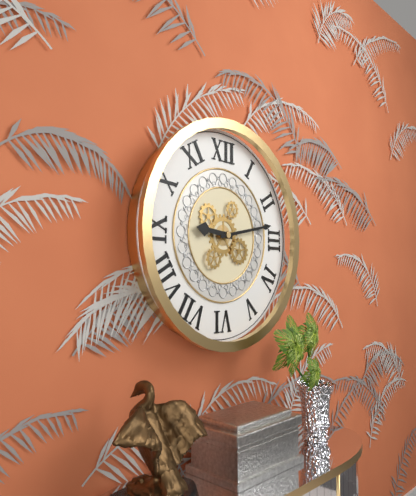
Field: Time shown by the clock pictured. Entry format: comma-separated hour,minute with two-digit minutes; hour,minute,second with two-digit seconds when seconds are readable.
9,13
